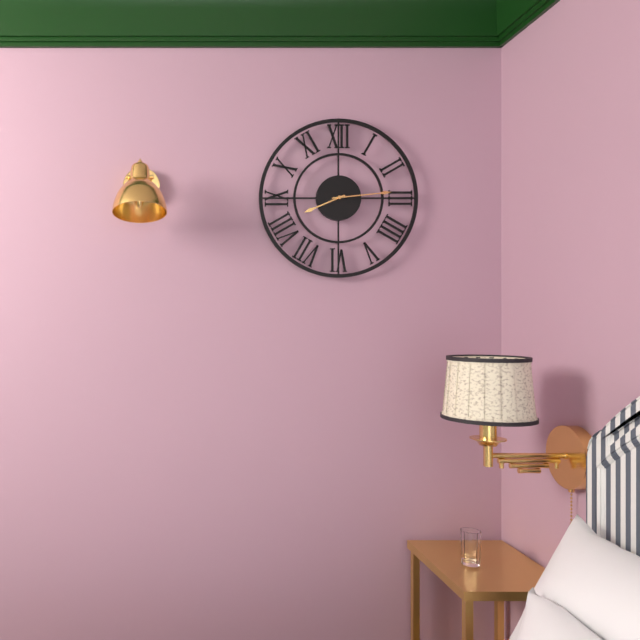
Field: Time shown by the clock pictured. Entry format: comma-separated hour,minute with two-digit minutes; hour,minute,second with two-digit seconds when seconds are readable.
8,14
